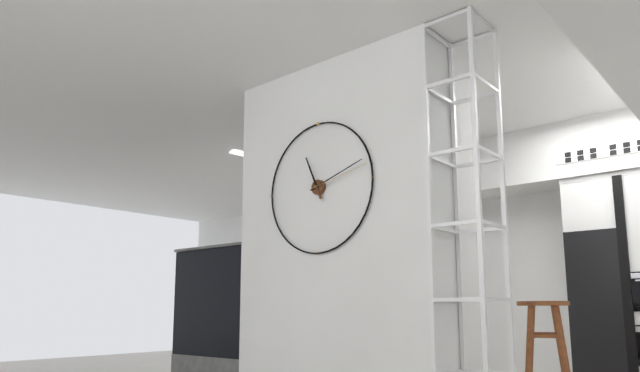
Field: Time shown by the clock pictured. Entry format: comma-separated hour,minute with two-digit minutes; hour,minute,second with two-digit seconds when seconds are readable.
11,12,13
